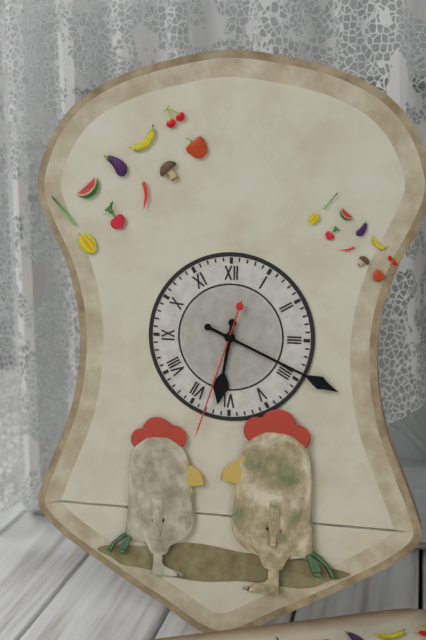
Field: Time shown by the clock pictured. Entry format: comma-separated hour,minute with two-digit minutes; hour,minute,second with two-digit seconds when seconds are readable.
6,19,33
